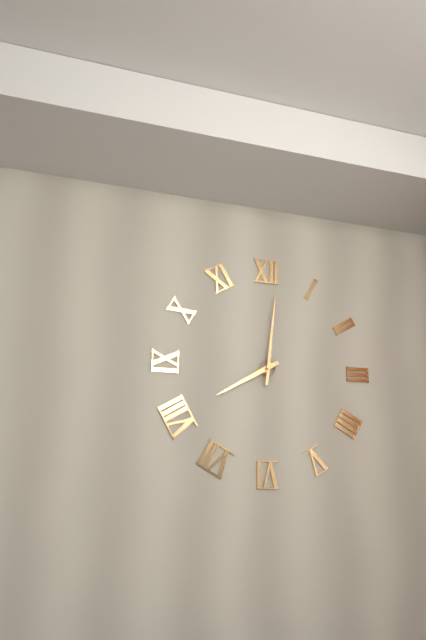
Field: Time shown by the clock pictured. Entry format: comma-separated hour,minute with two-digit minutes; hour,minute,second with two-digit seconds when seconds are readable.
8,01
